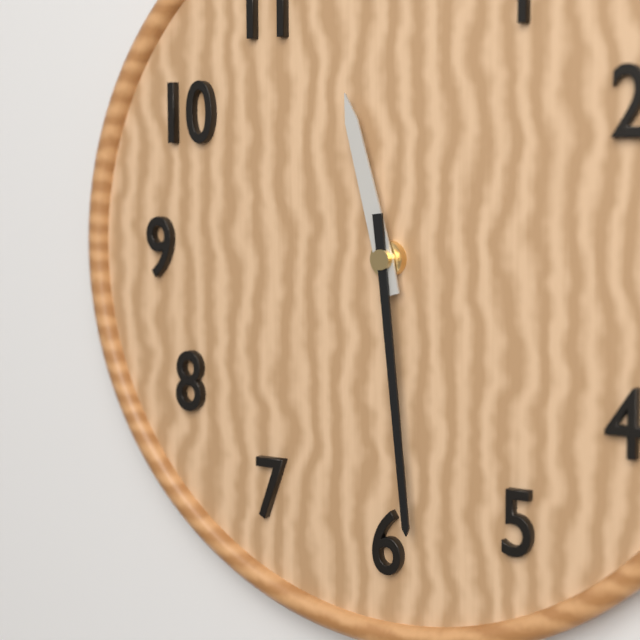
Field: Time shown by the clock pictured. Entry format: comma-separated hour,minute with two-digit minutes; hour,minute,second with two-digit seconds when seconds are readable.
11,29
